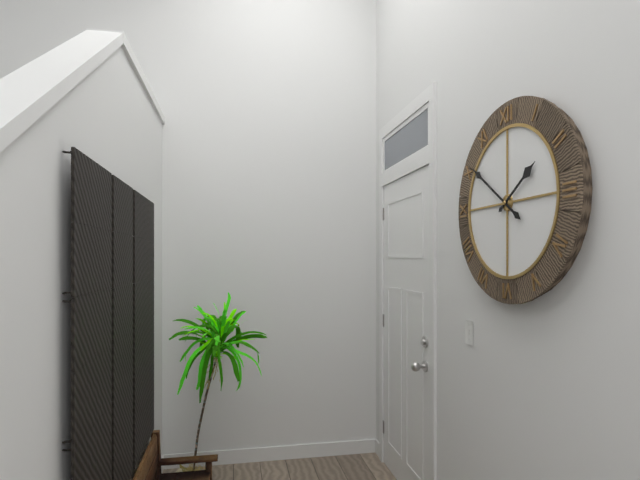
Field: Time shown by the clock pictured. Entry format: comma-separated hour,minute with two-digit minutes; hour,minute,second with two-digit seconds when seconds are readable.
1,51
